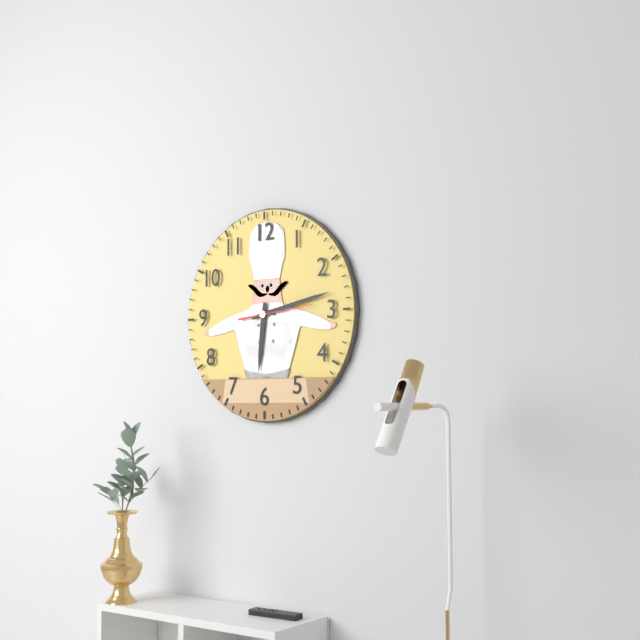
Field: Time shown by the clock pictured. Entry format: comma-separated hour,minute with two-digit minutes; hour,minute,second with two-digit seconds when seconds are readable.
6,13,14
